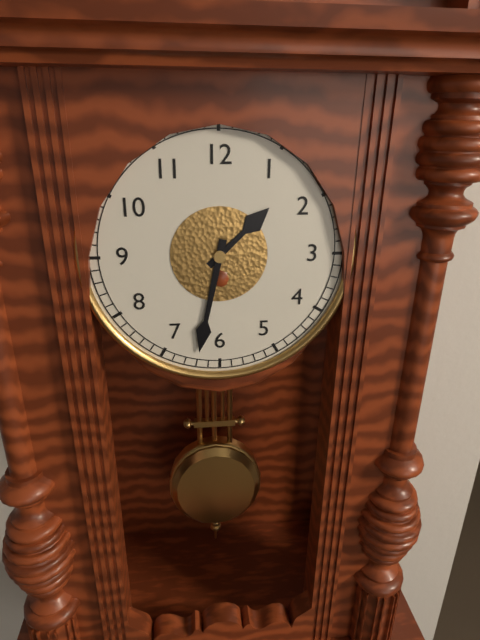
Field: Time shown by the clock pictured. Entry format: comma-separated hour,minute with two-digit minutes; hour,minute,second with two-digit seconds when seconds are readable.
1,32
